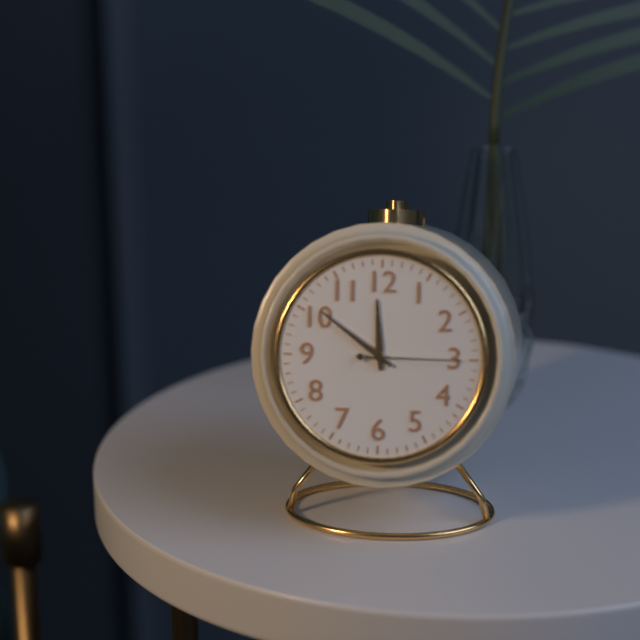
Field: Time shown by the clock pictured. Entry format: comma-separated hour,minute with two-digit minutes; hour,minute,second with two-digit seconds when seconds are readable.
11,51,15
